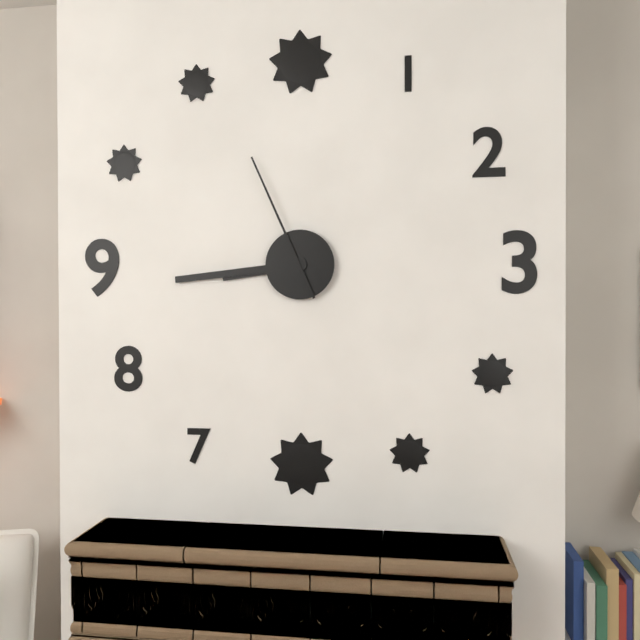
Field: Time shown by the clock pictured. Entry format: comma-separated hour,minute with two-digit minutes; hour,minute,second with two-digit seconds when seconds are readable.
8,44,56
